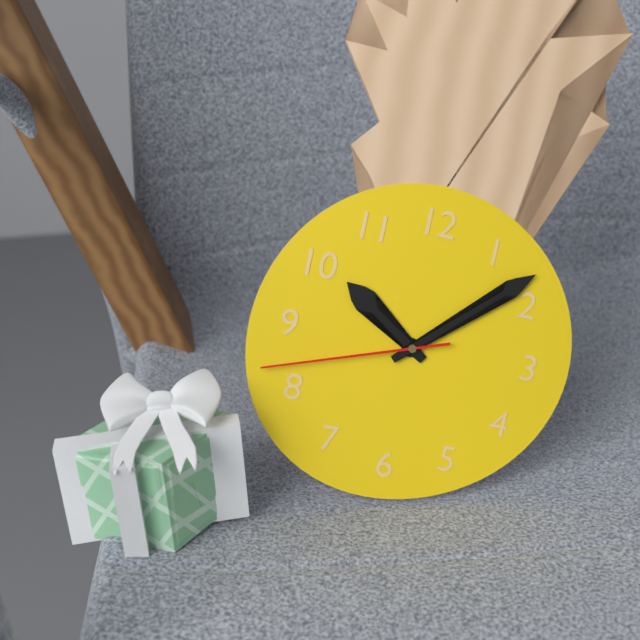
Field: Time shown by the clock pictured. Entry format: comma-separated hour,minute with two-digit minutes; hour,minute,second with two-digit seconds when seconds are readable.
10,08,42
